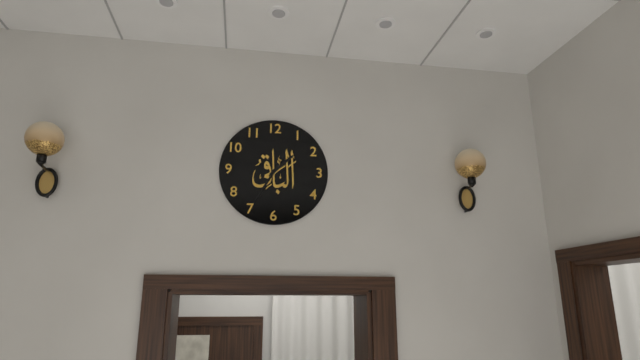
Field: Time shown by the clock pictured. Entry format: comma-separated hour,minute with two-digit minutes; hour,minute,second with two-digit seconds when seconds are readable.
1,35
